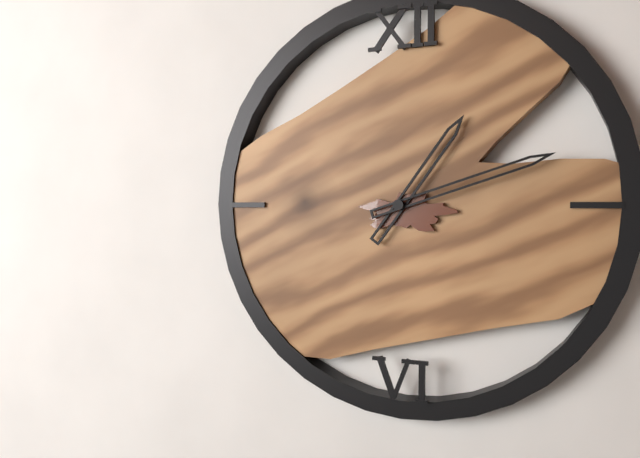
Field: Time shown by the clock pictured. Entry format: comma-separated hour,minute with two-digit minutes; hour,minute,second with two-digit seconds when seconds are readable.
1,12
